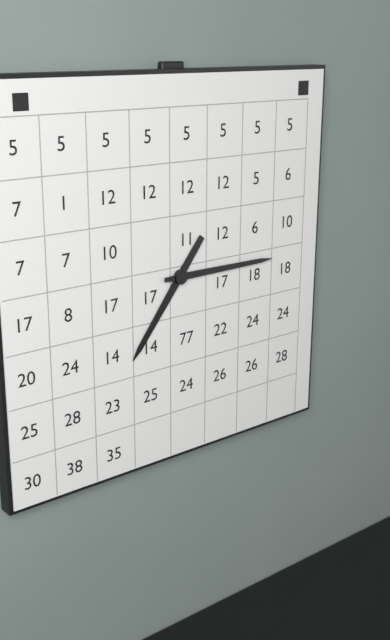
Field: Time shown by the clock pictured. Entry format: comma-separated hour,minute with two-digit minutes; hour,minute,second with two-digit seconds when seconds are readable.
7,15
